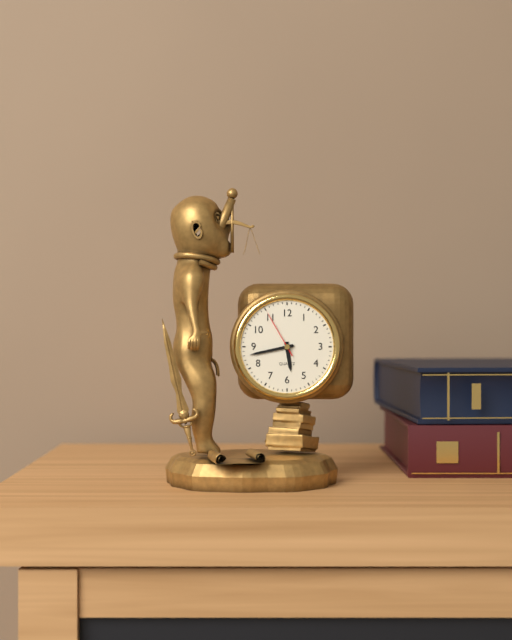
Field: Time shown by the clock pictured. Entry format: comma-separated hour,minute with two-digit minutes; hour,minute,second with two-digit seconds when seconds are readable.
5,43,55
